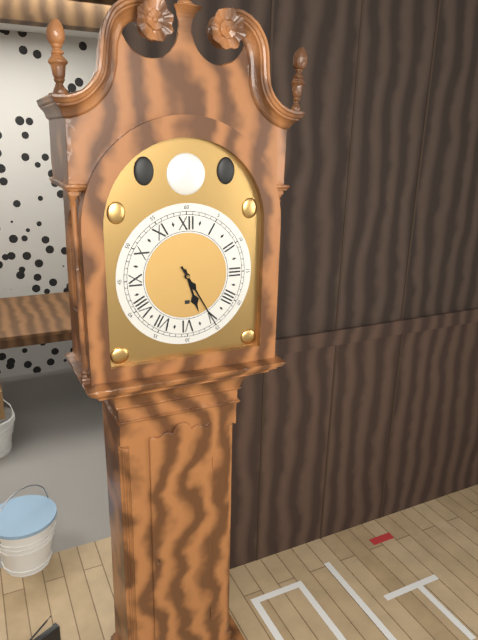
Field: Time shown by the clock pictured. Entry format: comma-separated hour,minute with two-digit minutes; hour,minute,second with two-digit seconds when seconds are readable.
5,25
